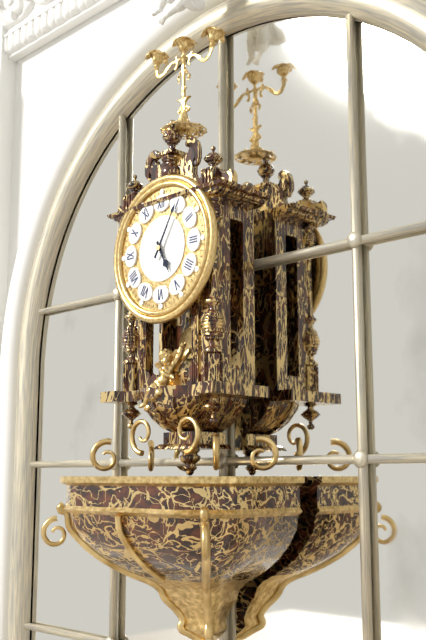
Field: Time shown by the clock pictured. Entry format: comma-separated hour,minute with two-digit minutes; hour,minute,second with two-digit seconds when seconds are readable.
5,05
